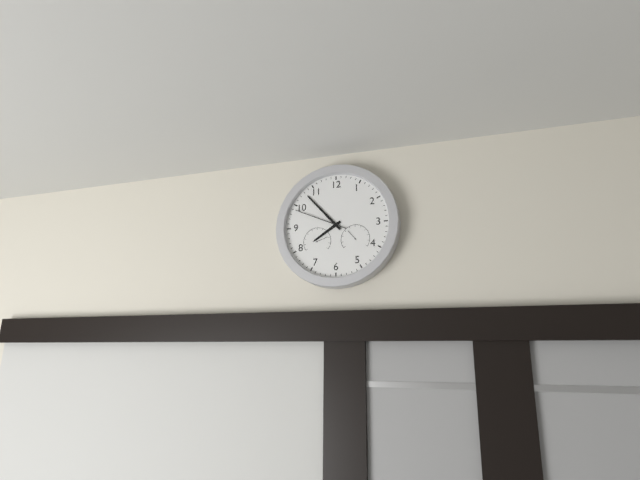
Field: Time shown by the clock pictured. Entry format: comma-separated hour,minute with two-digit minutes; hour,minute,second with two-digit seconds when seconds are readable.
7,53,49
